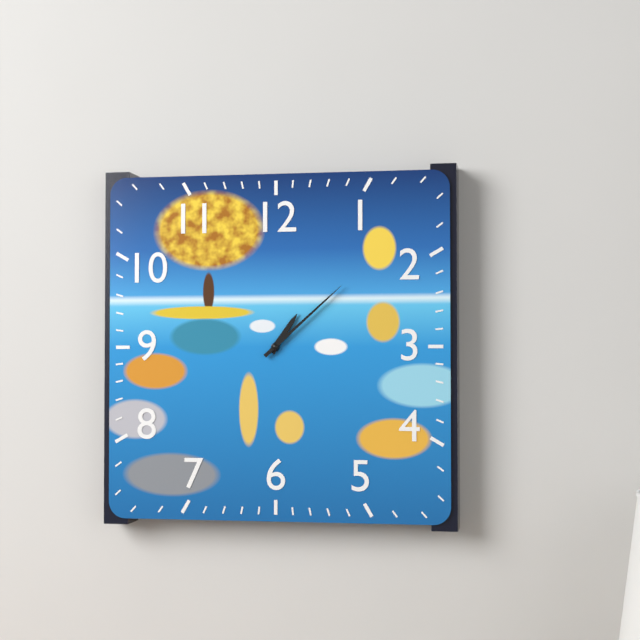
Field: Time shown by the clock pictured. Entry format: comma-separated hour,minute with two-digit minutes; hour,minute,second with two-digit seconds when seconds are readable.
1,08
